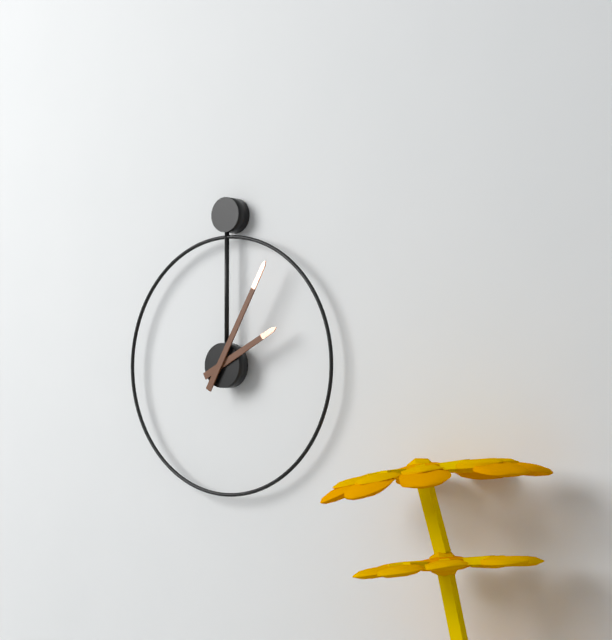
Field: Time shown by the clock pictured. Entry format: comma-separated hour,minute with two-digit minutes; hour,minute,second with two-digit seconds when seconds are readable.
2,05
